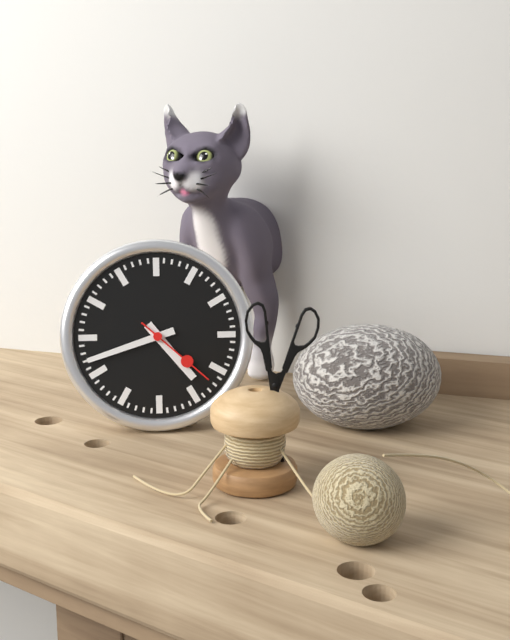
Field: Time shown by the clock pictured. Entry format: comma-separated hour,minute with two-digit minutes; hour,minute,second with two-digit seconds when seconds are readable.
4,42,22
